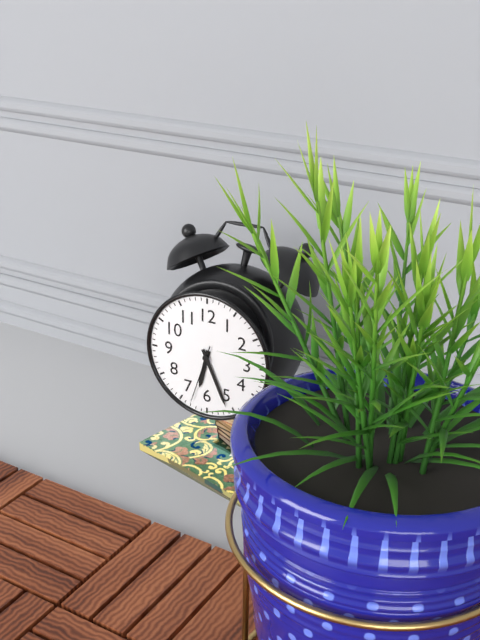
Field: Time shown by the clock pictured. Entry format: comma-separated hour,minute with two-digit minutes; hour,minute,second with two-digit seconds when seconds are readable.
6,26,33
